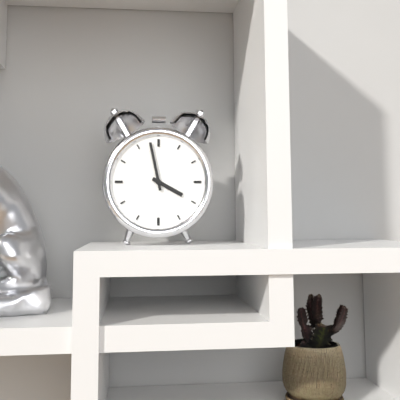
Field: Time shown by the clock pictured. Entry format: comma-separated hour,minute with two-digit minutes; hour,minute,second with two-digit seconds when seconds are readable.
3,58
